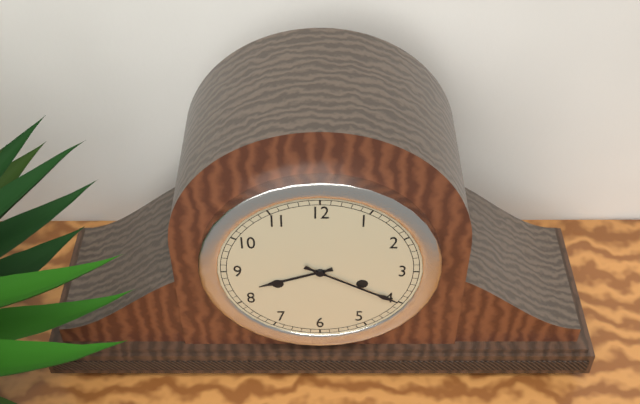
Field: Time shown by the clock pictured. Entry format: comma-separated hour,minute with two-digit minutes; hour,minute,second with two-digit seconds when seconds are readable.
8,20
